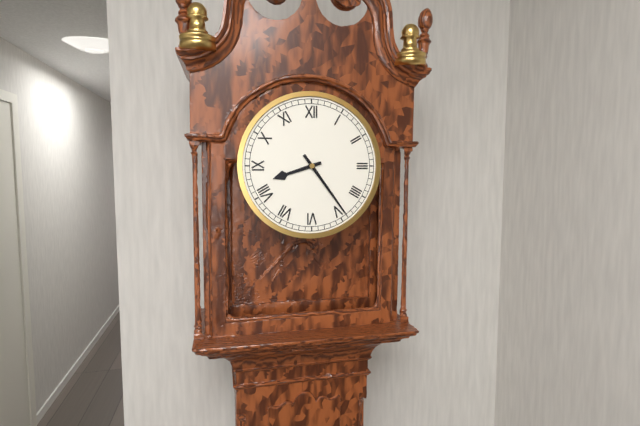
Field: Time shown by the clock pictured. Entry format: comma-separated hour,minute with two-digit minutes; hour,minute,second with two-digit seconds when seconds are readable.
8,24
